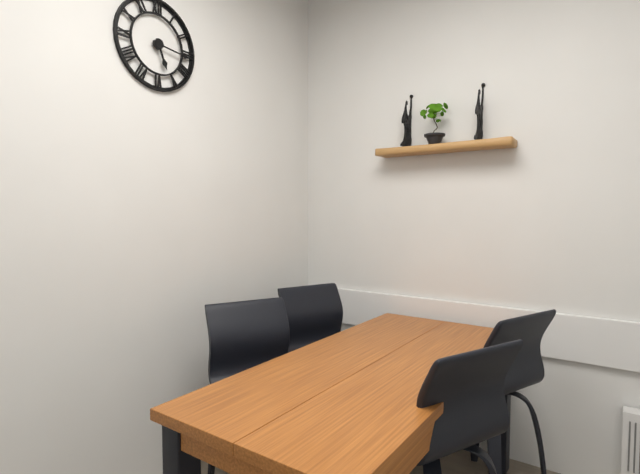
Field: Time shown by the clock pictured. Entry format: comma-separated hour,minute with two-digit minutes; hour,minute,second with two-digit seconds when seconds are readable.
5,16
